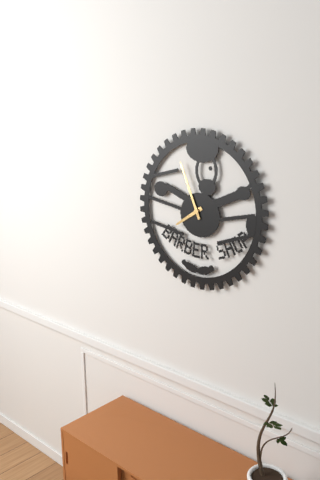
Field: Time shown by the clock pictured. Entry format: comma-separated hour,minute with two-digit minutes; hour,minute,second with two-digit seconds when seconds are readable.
7,56
